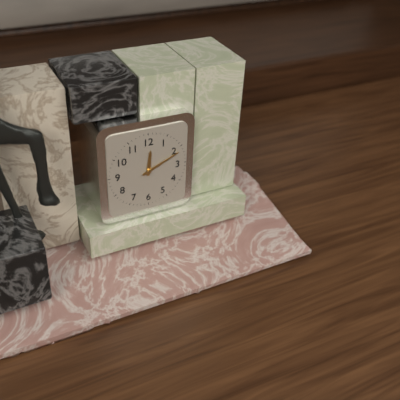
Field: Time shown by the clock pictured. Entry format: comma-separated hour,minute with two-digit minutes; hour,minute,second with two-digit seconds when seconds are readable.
12,11
